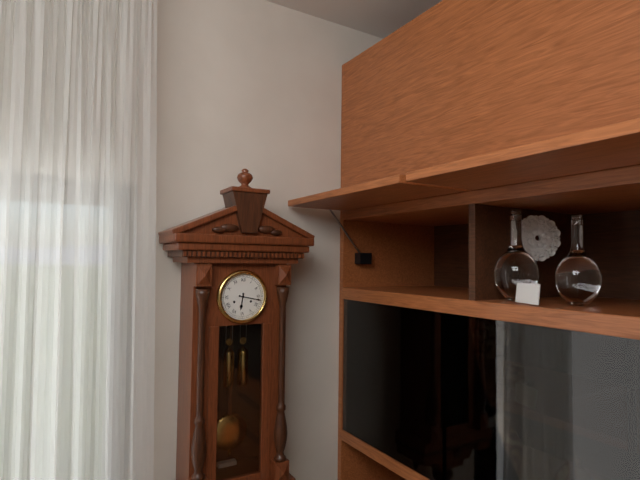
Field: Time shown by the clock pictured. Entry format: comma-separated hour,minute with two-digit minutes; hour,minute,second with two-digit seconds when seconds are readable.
6,17
